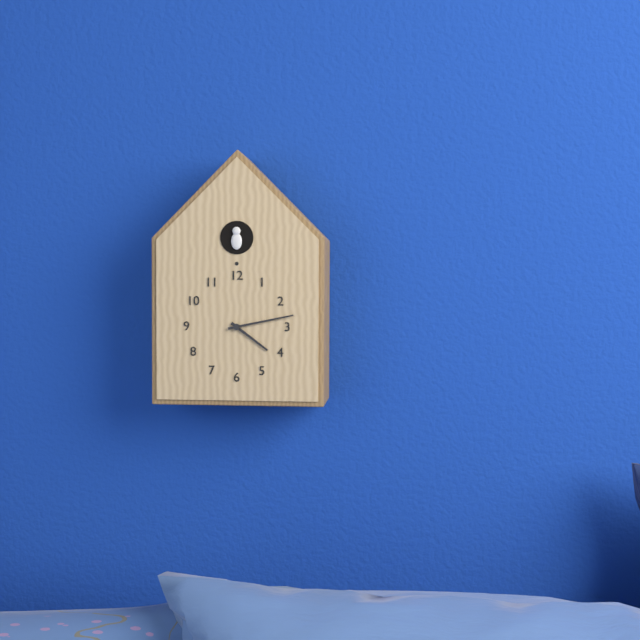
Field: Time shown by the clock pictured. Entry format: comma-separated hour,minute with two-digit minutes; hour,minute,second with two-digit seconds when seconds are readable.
4,13
